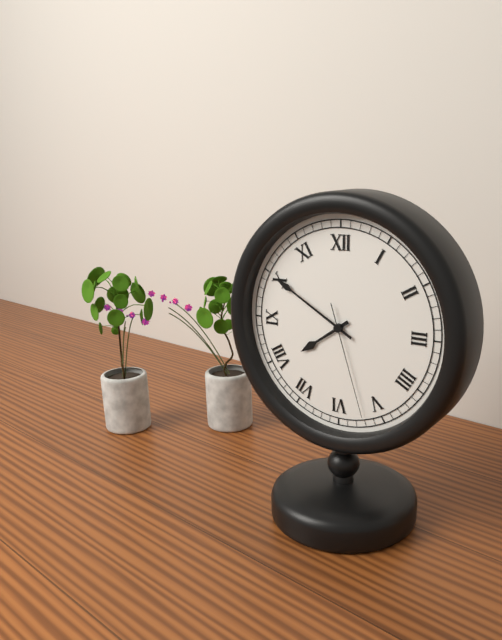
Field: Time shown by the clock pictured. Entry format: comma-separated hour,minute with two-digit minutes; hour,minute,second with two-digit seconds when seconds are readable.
7,50,27
